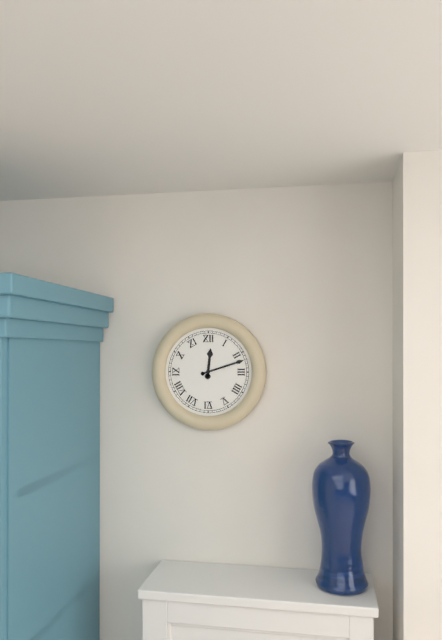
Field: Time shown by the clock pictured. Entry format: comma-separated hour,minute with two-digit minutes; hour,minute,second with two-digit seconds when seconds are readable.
12,12
